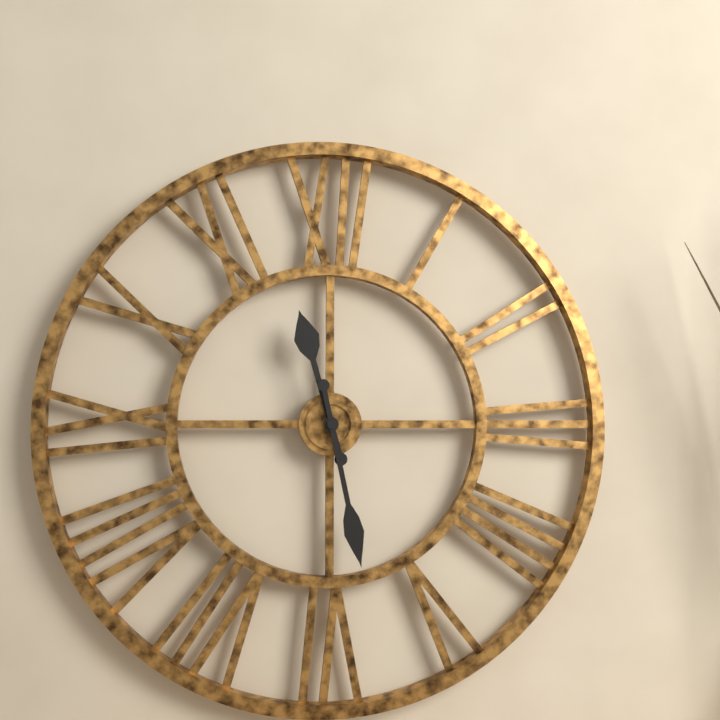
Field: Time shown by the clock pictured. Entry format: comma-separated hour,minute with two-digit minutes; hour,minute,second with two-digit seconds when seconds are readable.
11,28
